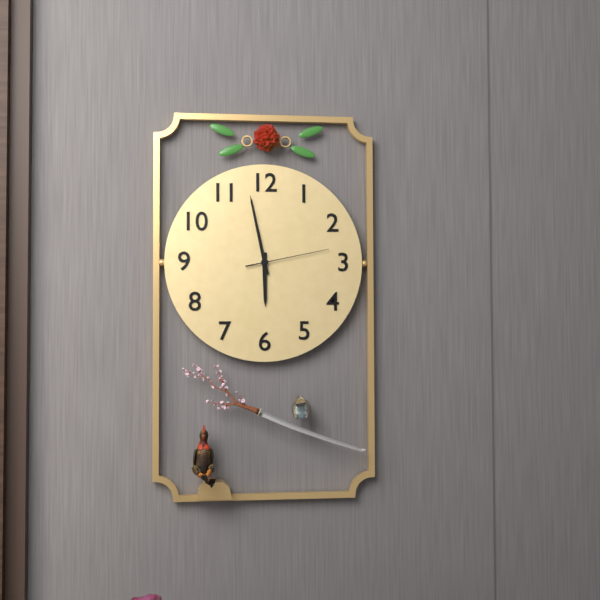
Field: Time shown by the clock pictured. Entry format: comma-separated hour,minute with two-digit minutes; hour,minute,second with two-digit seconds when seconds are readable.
5,58,13
